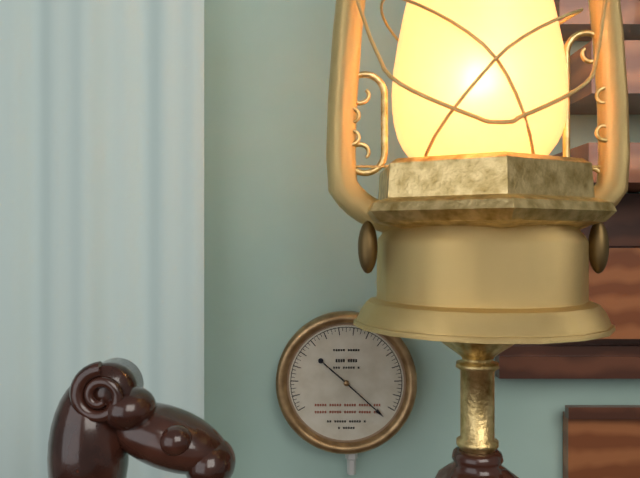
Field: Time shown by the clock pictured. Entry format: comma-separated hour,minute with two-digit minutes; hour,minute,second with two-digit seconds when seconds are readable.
10,22
